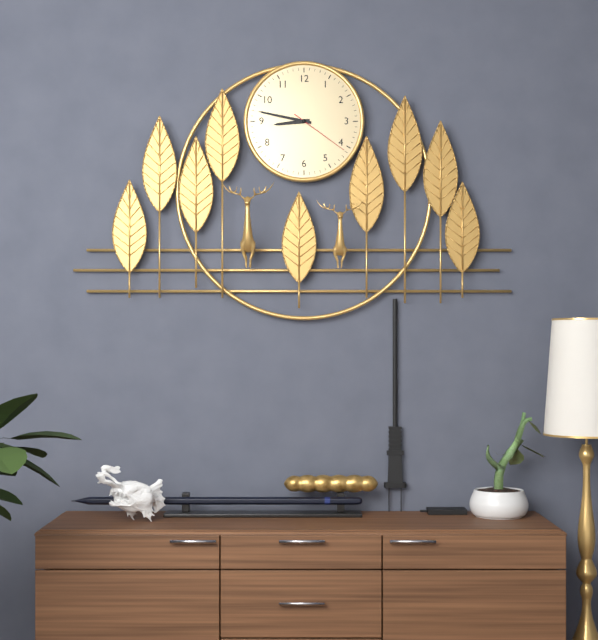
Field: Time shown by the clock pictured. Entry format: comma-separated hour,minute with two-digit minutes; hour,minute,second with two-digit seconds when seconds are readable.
8,47,21
